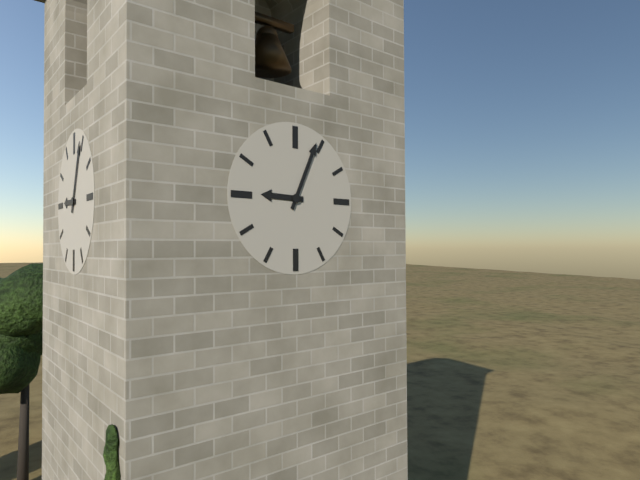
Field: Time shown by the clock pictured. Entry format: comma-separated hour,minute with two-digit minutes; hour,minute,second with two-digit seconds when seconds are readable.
9,04
